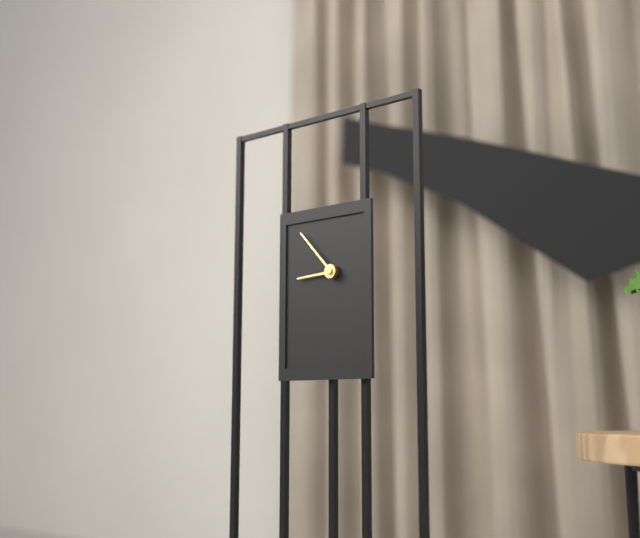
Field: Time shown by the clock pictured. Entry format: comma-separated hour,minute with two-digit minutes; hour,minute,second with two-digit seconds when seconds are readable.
8,53
